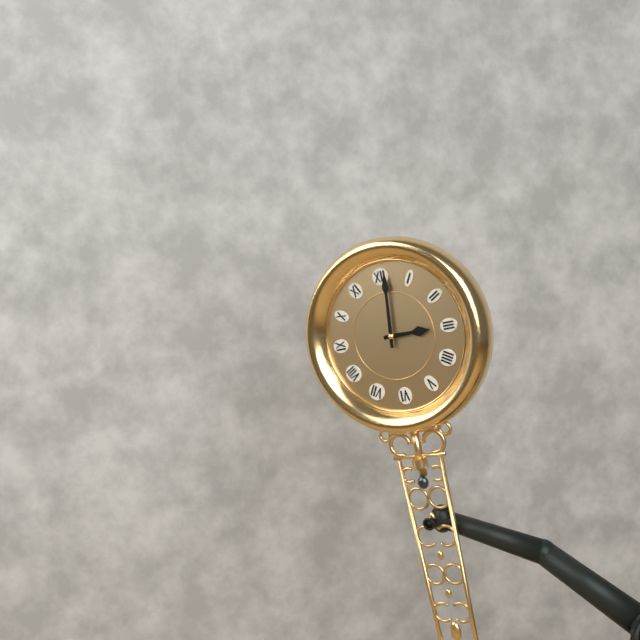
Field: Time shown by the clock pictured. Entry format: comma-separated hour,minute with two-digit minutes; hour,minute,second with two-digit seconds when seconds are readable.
3,01
